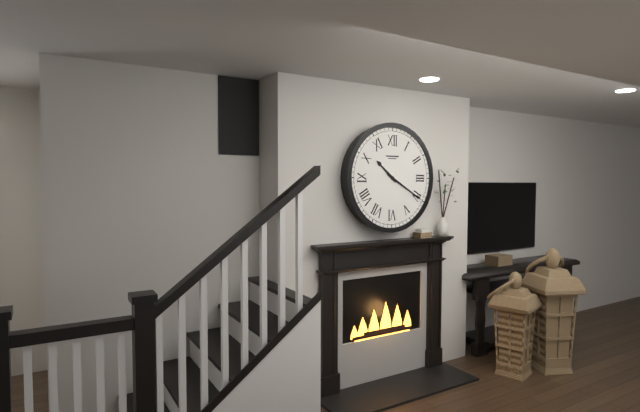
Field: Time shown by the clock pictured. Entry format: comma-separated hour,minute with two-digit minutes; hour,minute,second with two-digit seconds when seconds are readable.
10,20
